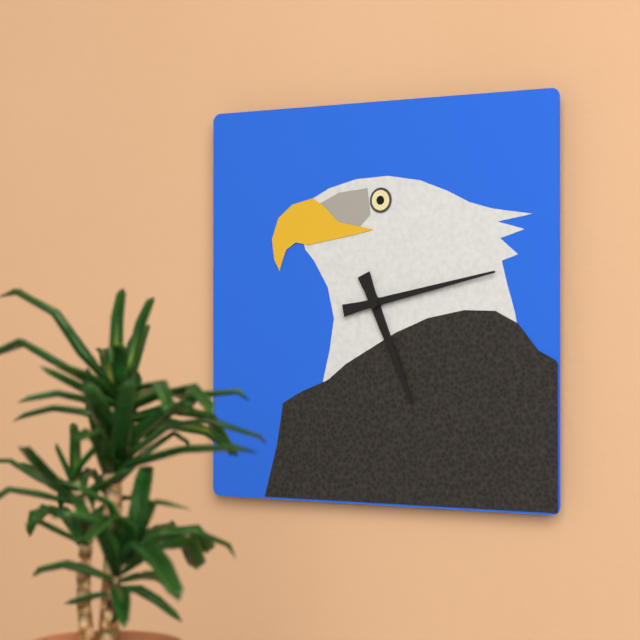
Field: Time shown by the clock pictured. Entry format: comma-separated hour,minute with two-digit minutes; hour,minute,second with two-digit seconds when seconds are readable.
5,13
